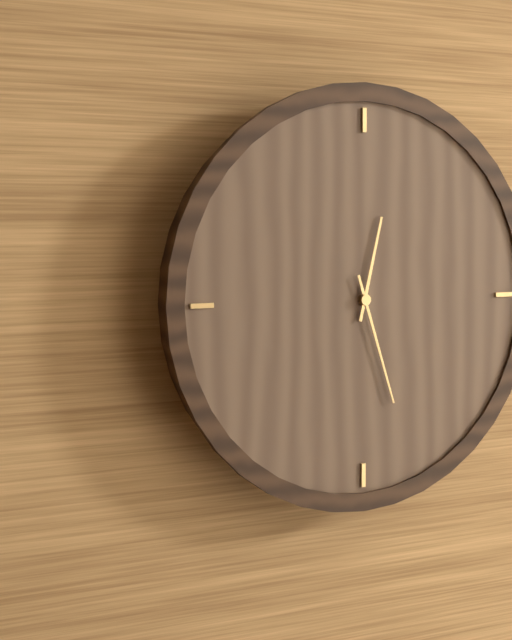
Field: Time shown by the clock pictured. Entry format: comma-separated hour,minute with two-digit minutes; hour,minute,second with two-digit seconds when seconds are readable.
12,27
